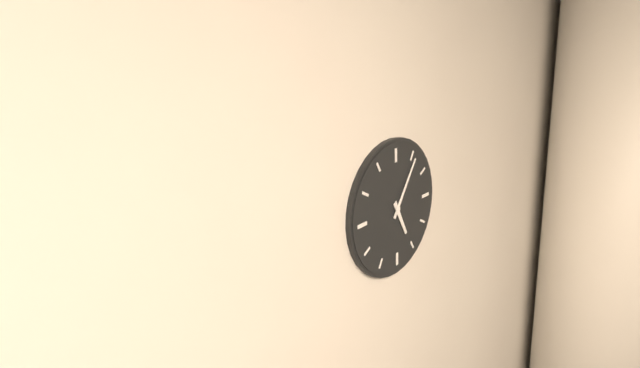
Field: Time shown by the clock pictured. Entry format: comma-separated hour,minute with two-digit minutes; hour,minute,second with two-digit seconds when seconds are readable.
5,06
